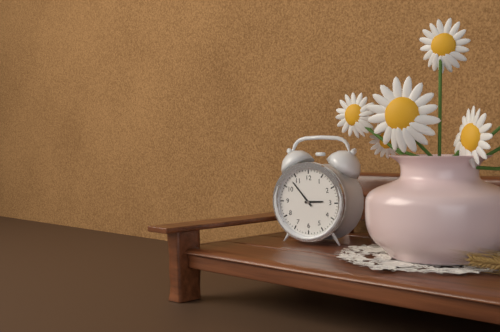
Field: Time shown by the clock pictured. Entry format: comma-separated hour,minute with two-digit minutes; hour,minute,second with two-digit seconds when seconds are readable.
2,53
